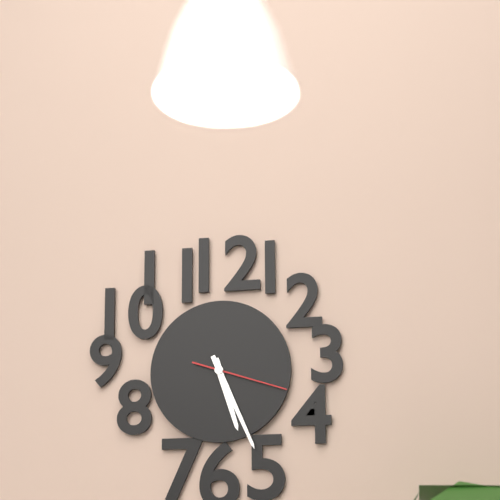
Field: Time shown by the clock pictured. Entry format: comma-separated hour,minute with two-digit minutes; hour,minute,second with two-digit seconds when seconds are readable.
5,26,18
